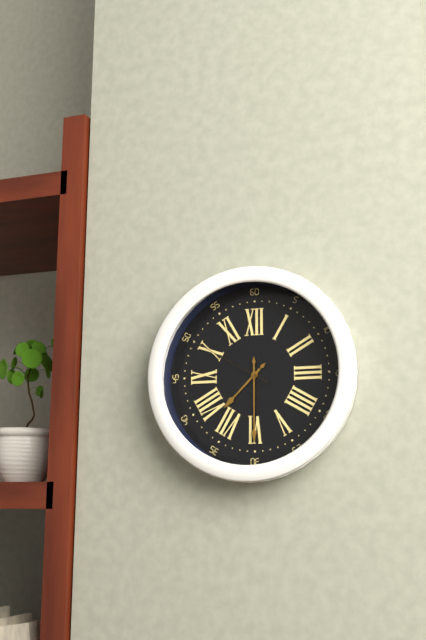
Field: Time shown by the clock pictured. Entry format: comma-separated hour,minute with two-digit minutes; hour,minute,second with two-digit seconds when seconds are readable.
7,30,50
